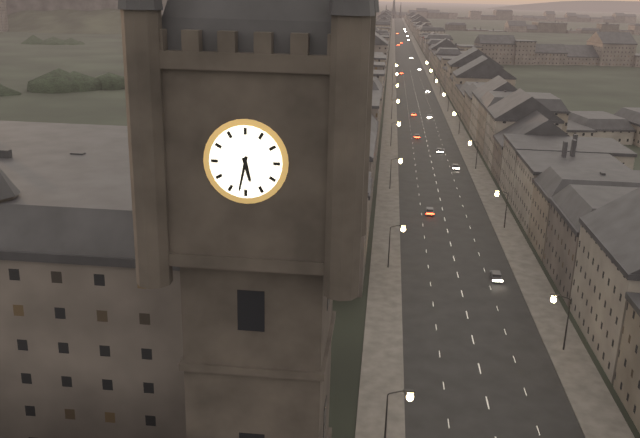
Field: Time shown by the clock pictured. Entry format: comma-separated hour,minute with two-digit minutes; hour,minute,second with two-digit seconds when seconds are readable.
5,32
